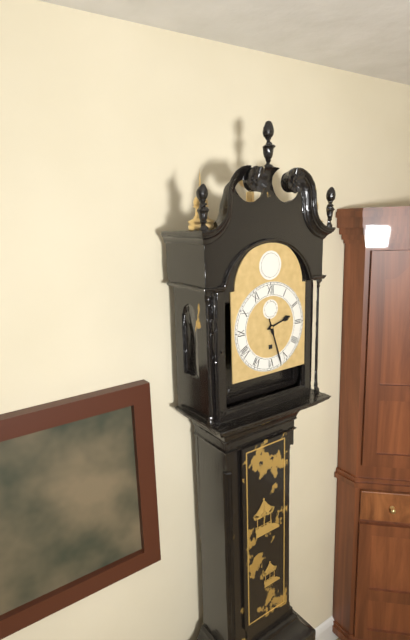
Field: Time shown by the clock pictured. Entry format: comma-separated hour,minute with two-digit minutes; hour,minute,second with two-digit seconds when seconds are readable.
2,27
